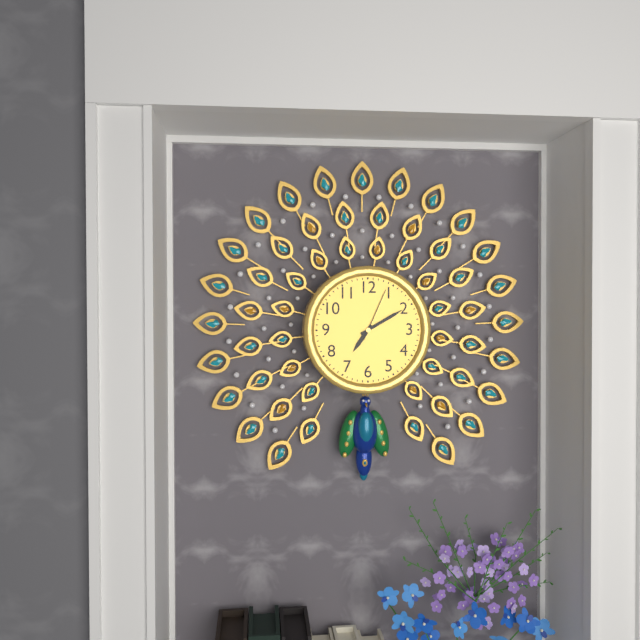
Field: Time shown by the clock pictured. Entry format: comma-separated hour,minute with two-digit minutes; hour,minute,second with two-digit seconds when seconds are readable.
7,10,04
